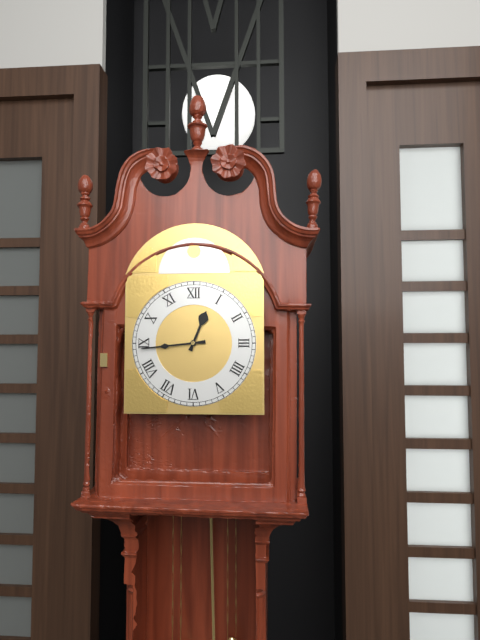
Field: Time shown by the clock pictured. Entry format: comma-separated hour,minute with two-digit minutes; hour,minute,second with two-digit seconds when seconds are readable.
12,44
